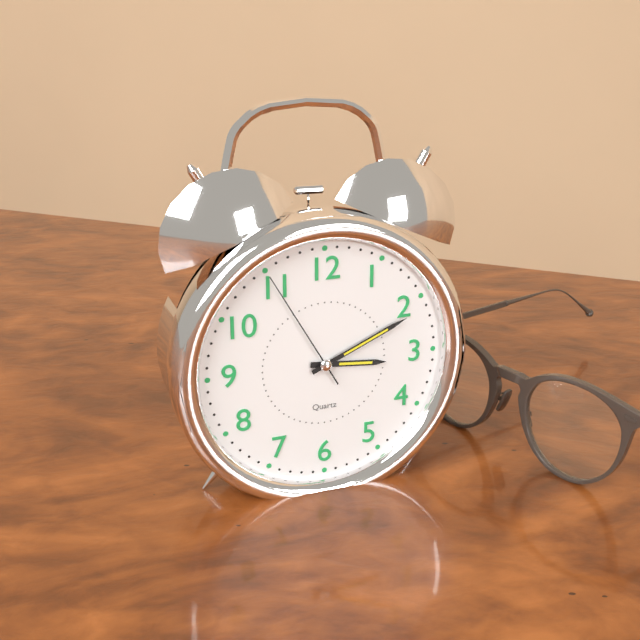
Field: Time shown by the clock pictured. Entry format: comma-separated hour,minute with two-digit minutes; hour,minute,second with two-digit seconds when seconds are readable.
3,11,55
